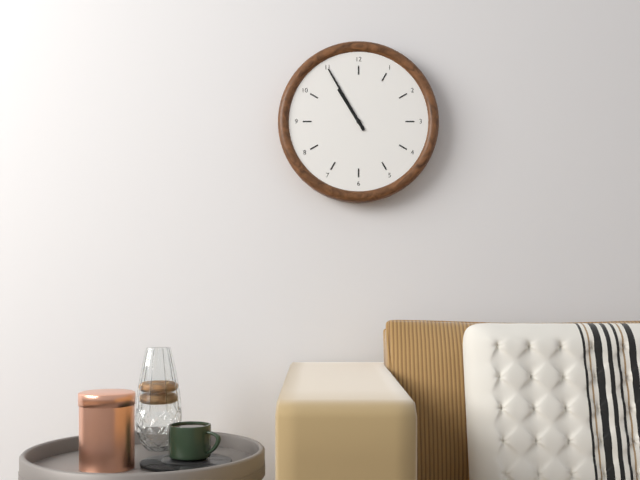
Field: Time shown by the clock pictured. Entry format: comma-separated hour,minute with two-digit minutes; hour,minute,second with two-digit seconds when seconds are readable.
10,55
